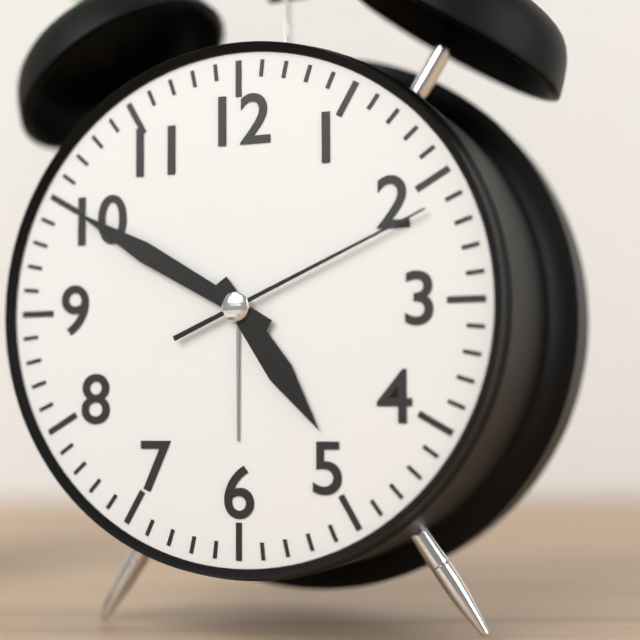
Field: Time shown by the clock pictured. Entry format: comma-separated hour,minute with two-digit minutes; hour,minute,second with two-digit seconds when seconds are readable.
4,50,11
